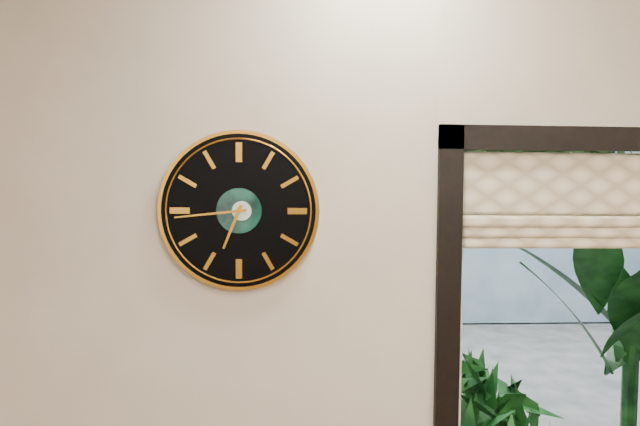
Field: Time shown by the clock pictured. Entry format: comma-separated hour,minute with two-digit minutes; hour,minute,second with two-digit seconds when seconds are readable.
6,44
